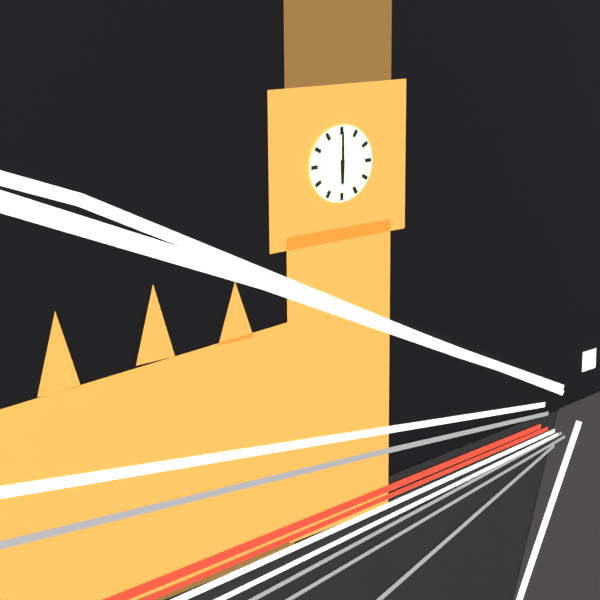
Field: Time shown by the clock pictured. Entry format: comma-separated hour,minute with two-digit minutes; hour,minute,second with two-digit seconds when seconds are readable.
6,00
